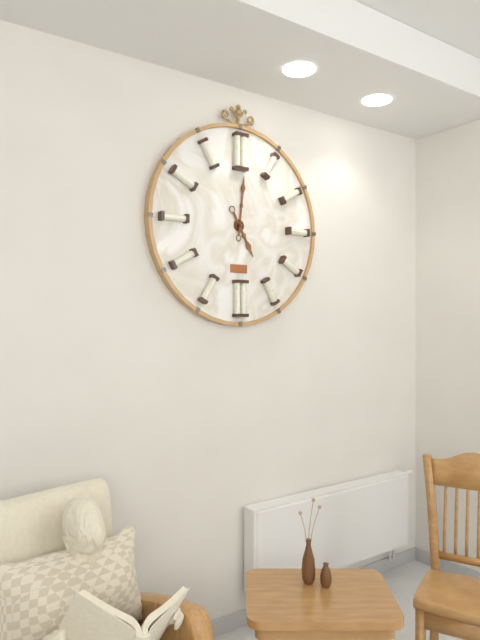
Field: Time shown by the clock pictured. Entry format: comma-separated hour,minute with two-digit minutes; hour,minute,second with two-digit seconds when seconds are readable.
5,01
